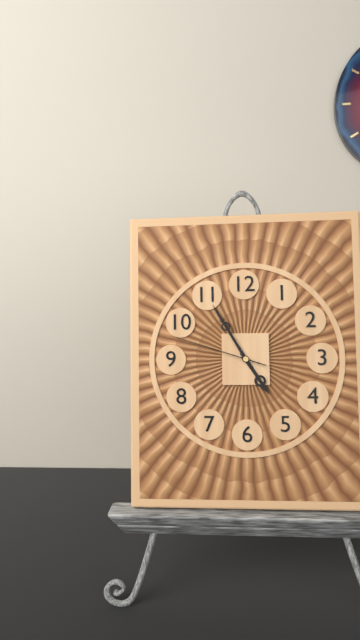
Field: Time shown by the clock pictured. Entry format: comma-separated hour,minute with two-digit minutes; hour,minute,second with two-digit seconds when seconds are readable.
4,55,48
